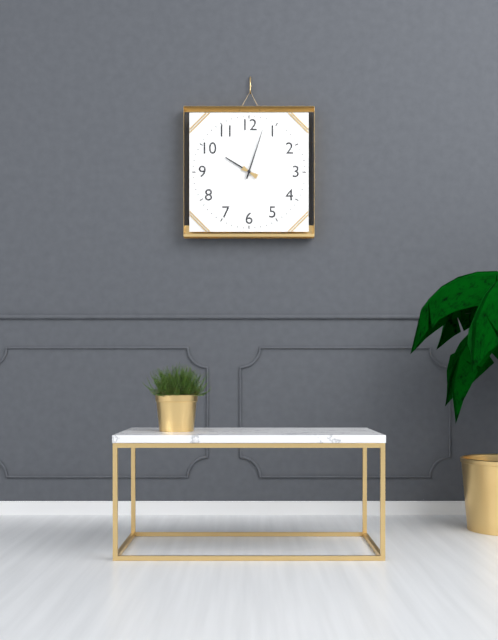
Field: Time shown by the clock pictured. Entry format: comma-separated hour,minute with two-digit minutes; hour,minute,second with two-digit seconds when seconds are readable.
10,03
